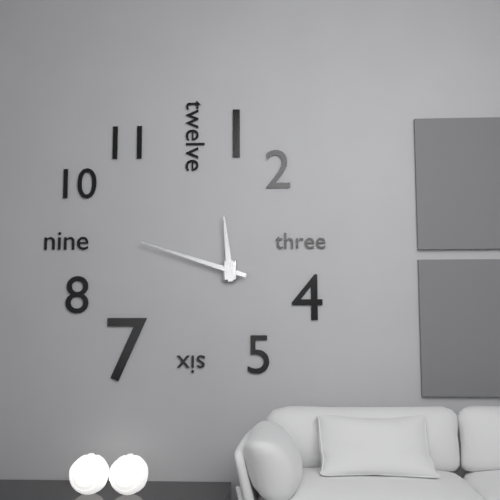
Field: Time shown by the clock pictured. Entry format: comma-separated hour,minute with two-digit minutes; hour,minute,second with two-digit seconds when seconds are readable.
11,48
